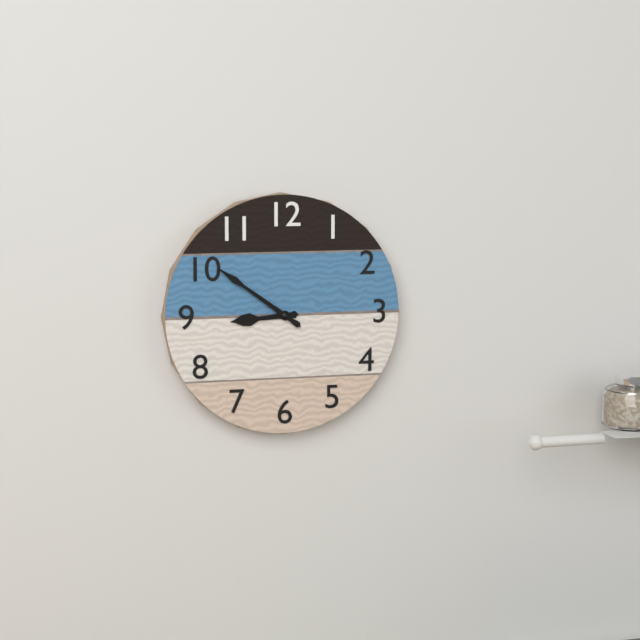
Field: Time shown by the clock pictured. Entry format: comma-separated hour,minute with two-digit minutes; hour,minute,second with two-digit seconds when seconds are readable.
8,51
